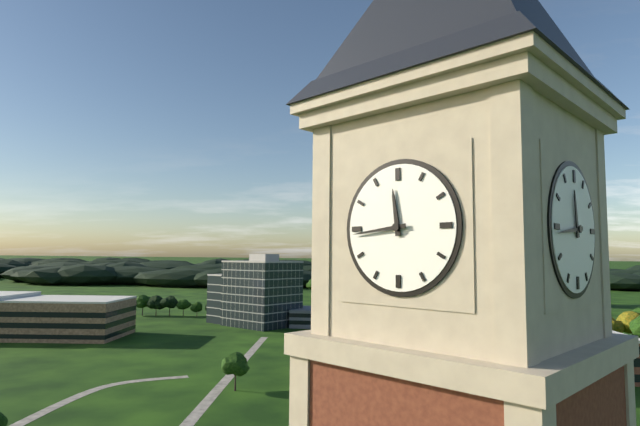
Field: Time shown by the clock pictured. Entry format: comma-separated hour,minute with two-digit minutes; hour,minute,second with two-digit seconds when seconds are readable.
11,44
